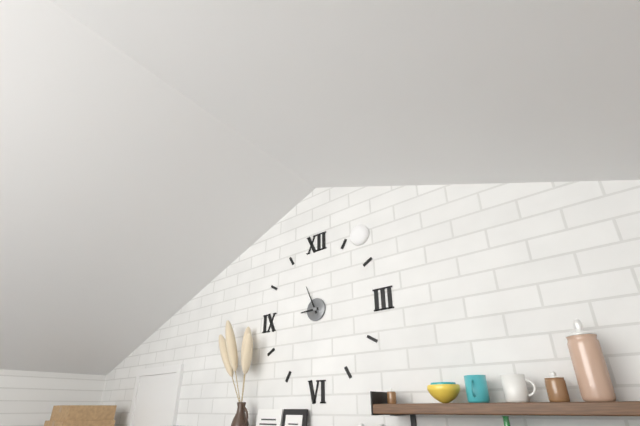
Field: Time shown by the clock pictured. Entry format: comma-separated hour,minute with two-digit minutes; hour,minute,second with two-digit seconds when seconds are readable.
8,56
